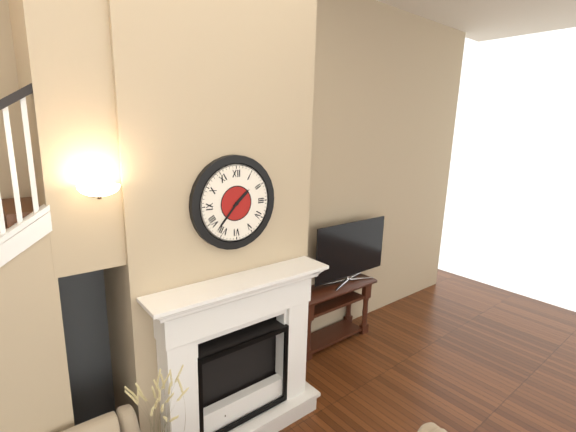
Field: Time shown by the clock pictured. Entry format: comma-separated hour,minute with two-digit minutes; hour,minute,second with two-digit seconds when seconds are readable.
1,37
